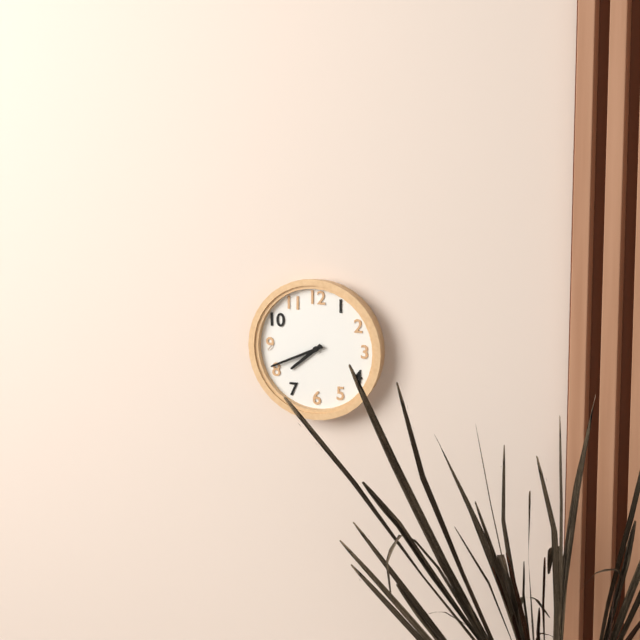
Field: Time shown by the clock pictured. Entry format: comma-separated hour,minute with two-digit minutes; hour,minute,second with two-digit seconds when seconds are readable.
7,41
